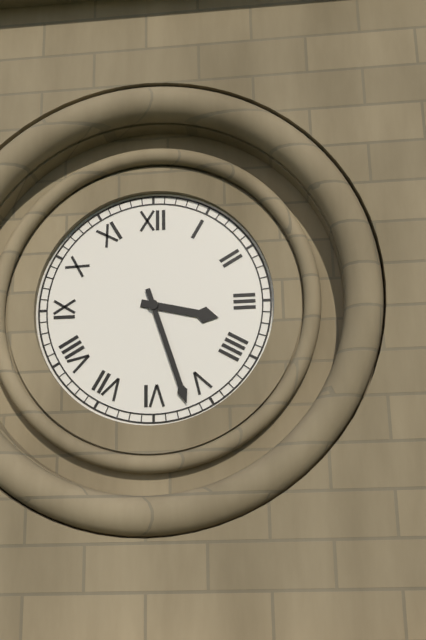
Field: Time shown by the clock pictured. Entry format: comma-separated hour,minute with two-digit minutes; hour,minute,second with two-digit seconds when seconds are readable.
3,27
